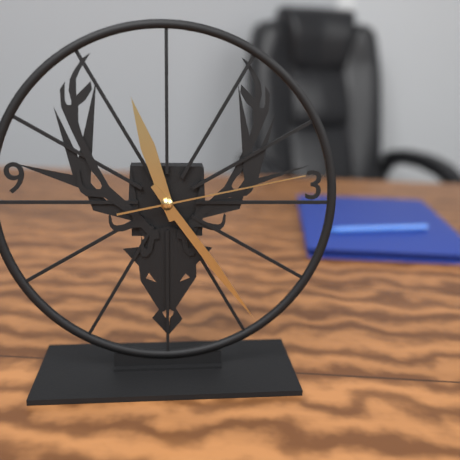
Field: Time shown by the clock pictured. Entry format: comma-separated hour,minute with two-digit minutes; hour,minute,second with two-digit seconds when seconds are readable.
11,24,13
